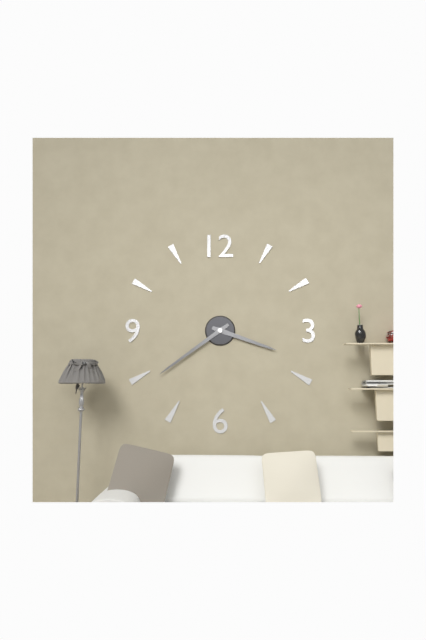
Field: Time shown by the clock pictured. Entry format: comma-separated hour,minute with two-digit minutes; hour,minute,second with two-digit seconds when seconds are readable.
3,39
